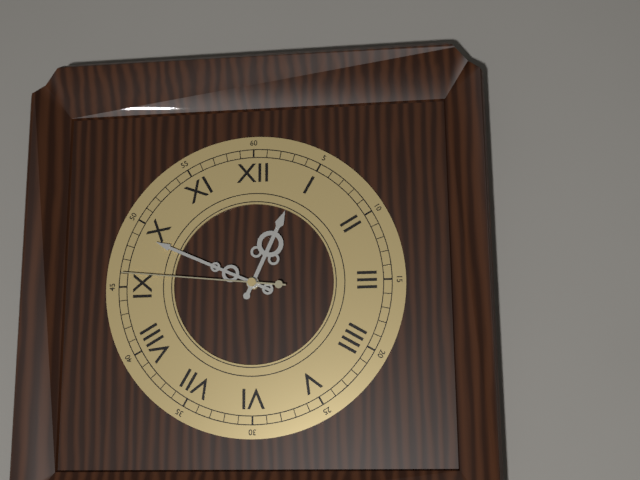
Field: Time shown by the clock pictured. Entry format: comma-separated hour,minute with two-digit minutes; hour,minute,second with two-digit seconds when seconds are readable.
12,49,46
